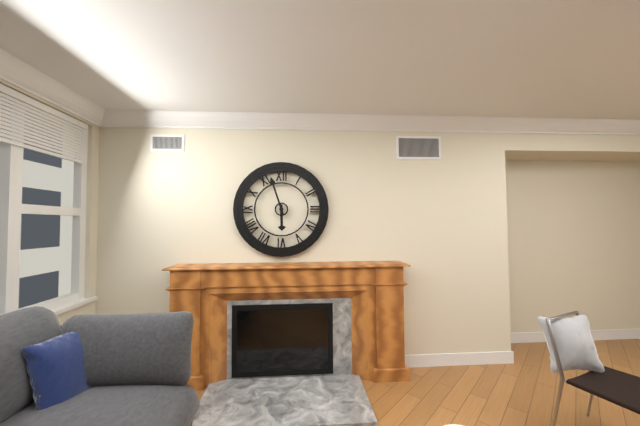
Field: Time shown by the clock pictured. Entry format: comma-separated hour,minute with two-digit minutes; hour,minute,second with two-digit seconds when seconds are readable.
5,57
